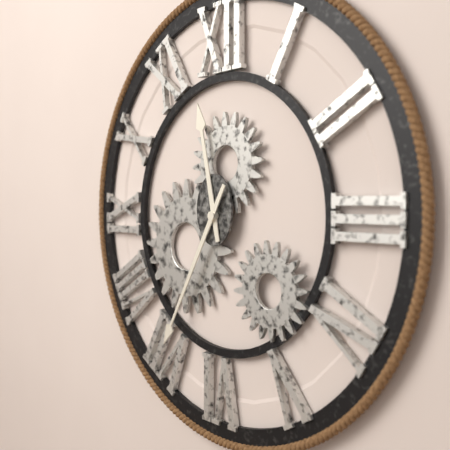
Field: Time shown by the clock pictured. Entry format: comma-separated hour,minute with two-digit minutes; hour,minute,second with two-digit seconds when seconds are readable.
11,35
